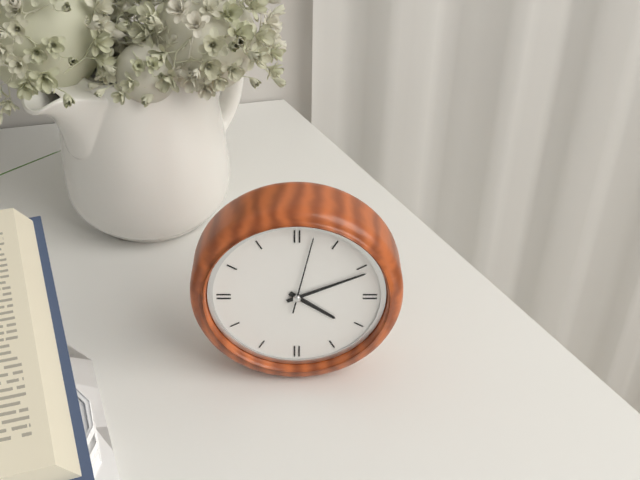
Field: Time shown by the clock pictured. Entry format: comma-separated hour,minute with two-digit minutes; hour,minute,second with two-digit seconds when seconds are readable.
4,11,02
